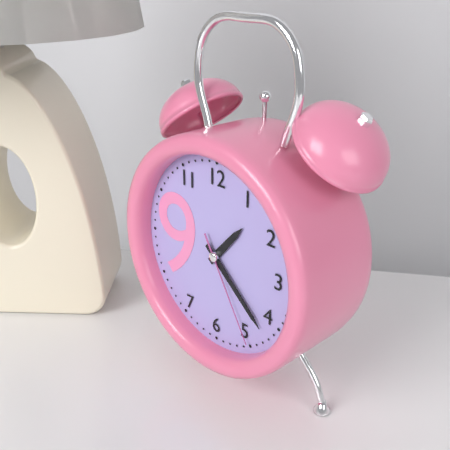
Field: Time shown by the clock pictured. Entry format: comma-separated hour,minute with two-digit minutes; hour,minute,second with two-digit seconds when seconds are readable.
1,22,25
